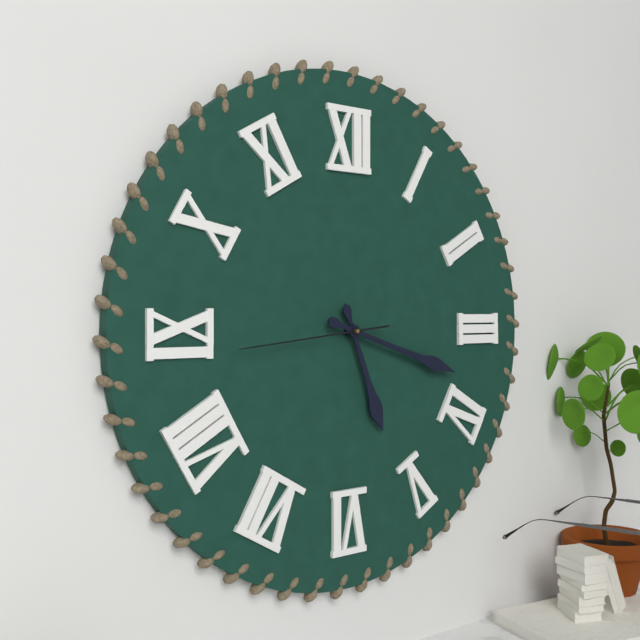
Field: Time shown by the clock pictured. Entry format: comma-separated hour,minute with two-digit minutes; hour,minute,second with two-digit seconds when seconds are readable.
5,18,44
